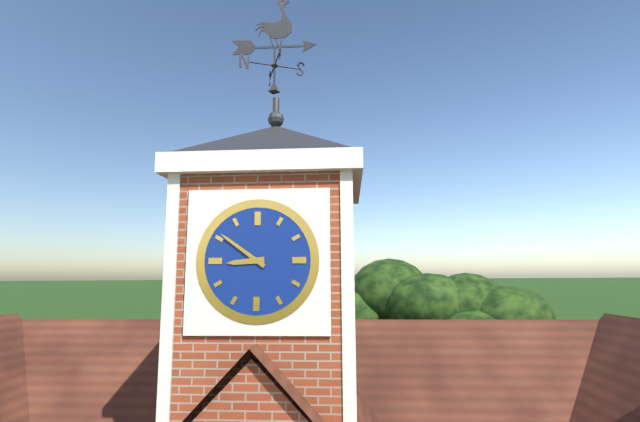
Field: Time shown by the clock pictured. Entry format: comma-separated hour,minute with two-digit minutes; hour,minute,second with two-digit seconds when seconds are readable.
8,51
